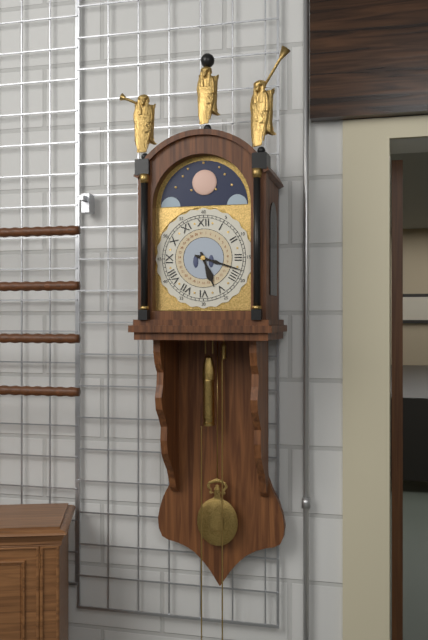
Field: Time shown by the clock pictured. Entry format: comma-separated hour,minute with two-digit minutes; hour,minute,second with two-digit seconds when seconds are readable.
5,18
